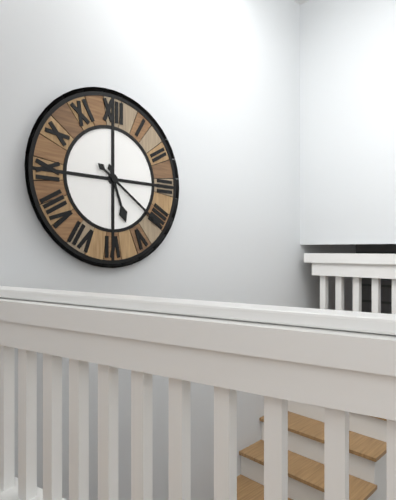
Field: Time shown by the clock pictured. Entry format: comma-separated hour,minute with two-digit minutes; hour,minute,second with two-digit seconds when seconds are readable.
5,21
